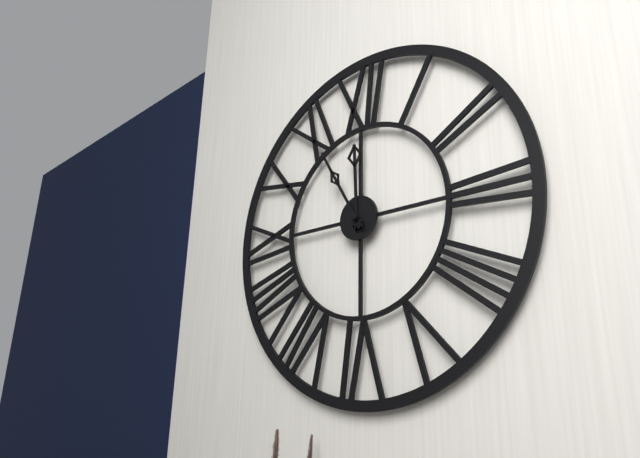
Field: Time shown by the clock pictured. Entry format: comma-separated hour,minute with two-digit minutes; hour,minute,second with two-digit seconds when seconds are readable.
11,55
